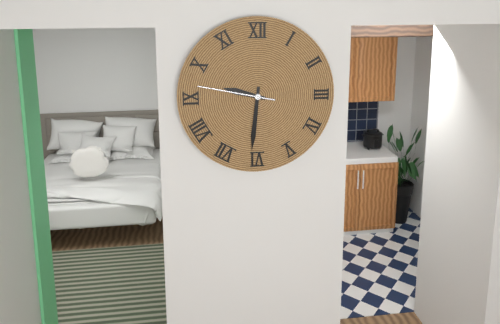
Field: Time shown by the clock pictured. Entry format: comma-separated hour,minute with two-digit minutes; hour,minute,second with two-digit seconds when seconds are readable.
9,31,47
